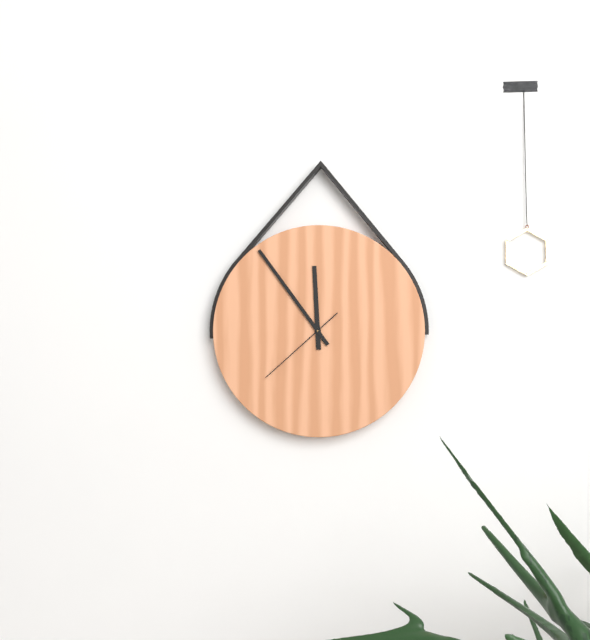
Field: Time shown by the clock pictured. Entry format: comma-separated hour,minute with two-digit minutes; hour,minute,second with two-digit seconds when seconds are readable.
11,54,38
